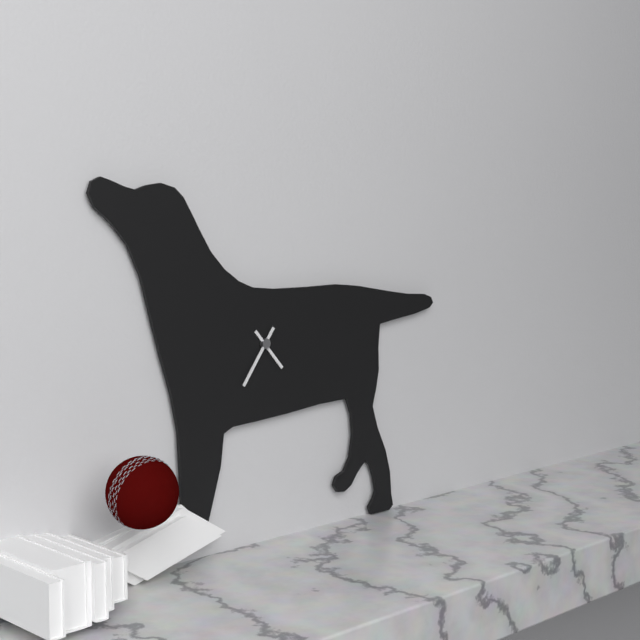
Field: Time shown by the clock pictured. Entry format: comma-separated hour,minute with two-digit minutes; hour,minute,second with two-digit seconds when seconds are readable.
4,36
